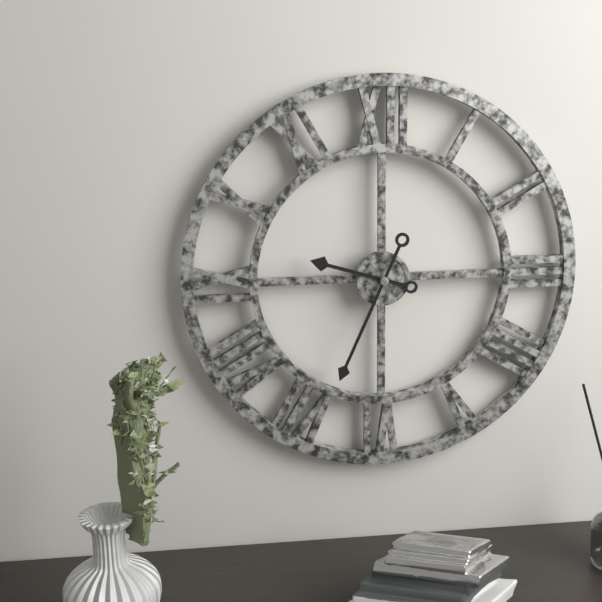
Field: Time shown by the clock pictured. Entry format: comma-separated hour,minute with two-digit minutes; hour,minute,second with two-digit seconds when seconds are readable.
9,34
